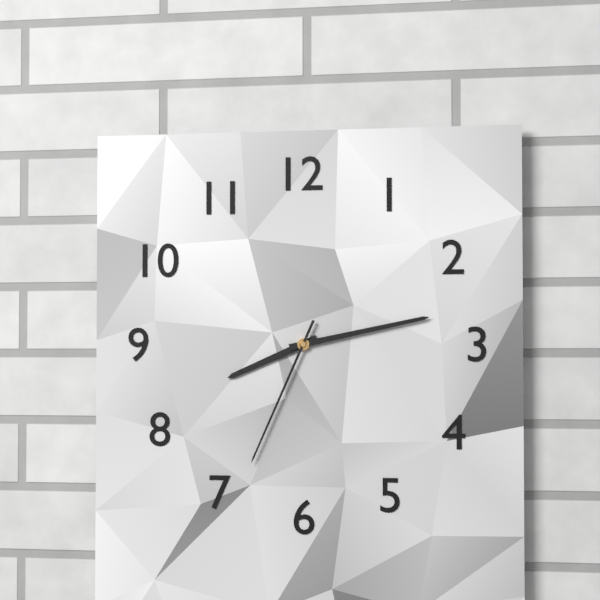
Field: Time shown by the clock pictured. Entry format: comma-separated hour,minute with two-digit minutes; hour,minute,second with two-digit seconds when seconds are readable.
8,13,34
